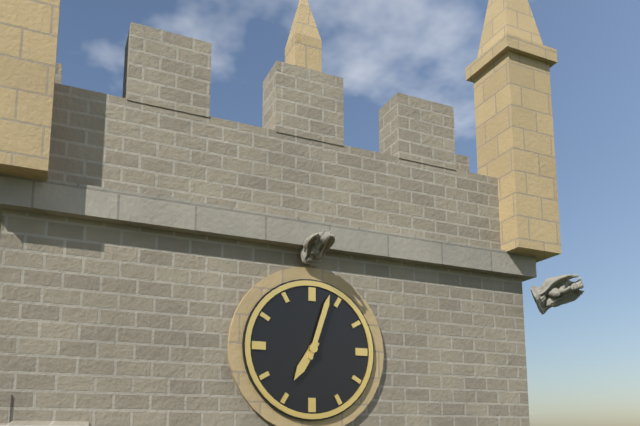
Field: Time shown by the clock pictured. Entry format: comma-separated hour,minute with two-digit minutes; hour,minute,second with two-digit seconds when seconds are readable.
7,03
